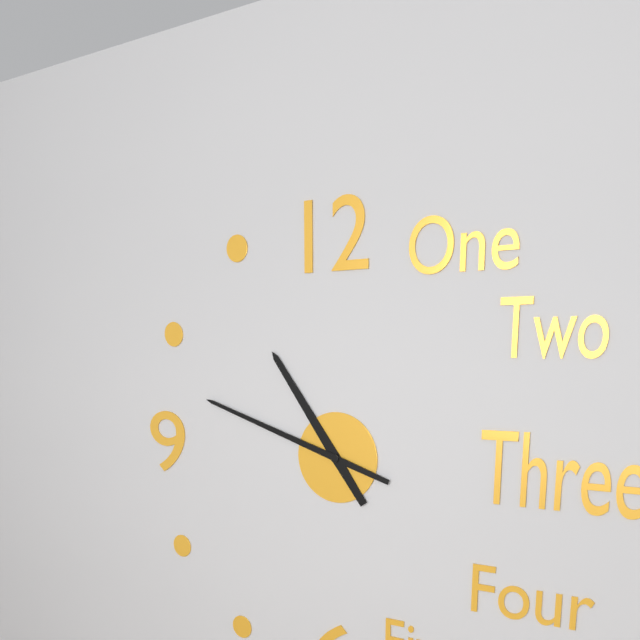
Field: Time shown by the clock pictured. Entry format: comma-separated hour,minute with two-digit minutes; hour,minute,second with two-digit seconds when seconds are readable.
10,48
